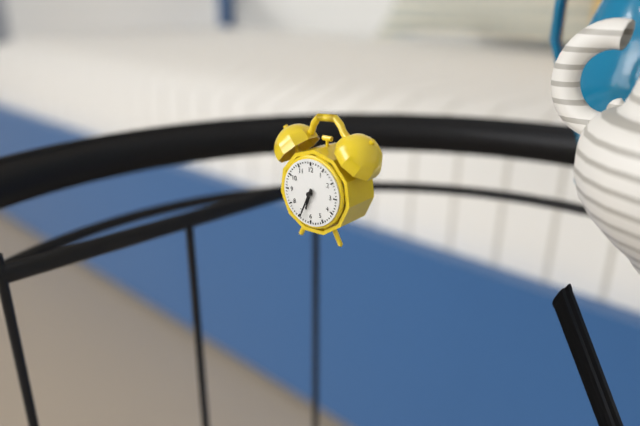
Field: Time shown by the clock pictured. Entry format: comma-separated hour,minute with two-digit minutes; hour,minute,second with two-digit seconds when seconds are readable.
6,34
